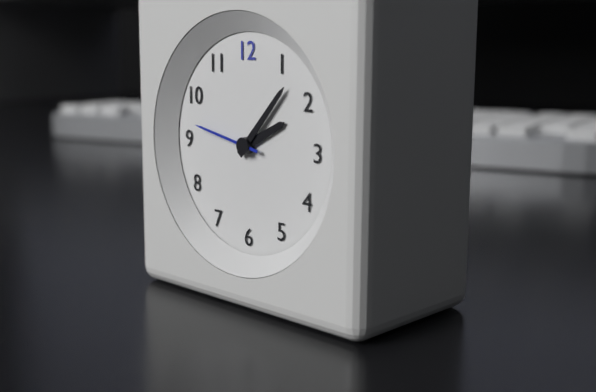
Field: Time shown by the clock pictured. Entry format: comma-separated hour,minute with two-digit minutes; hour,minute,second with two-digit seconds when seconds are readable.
2,07,47
